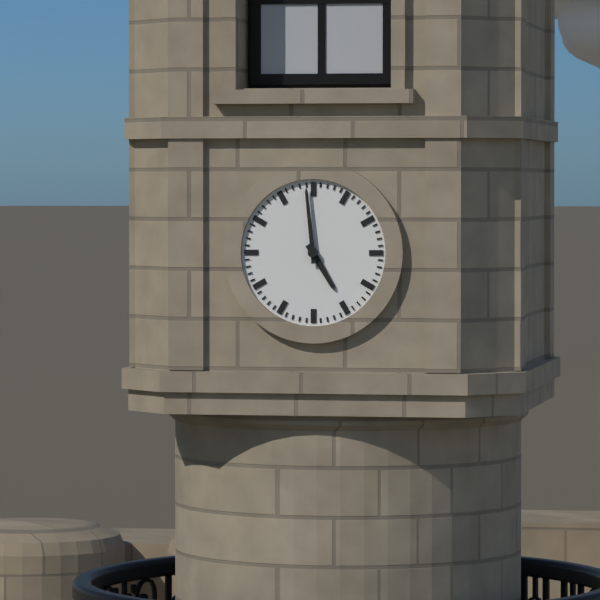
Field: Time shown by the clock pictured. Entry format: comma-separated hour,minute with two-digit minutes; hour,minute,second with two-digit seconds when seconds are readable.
4,59
